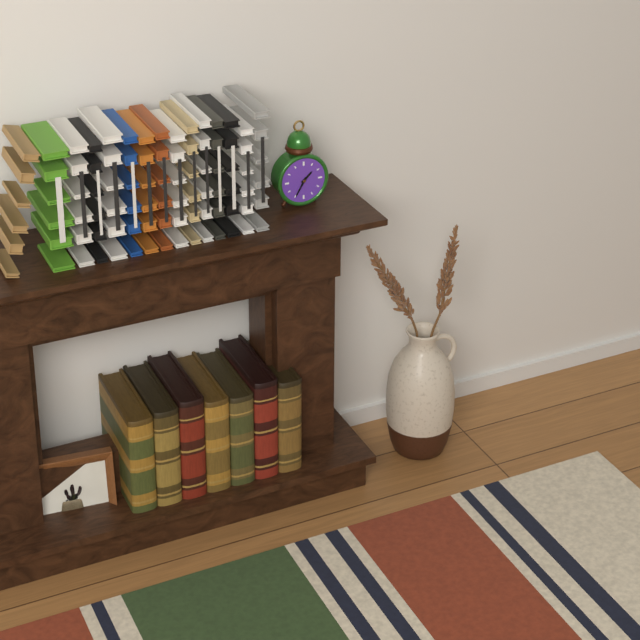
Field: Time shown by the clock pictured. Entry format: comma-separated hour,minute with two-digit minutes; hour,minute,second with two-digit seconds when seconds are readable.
1,35
